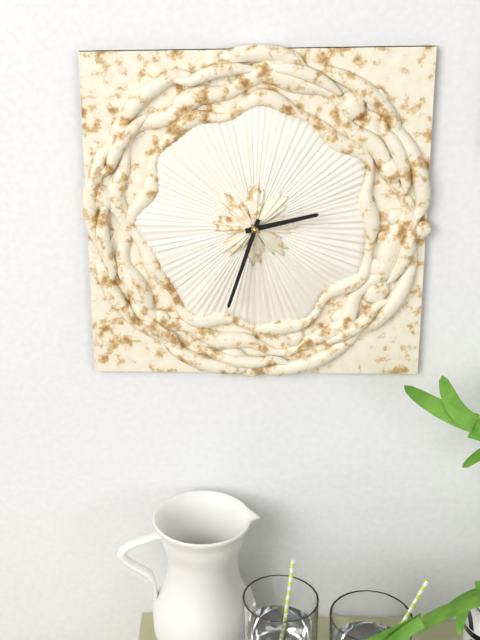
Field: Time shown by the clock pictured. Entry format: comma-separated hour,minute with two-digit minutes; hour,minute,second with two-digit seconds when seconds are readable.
2,33
